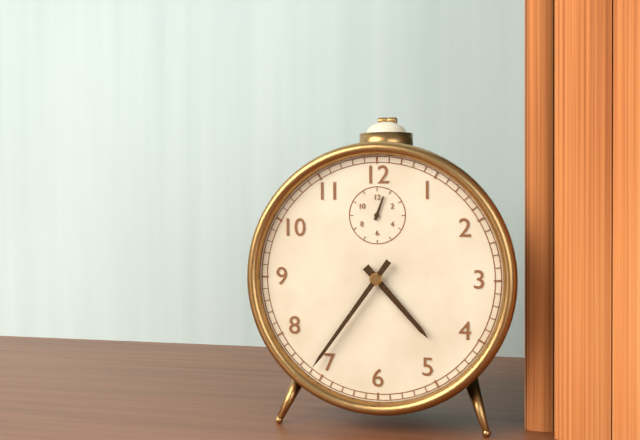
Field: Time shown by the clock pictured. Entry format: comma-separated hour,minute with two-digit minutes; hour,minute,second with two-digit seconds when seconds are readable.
4,36
